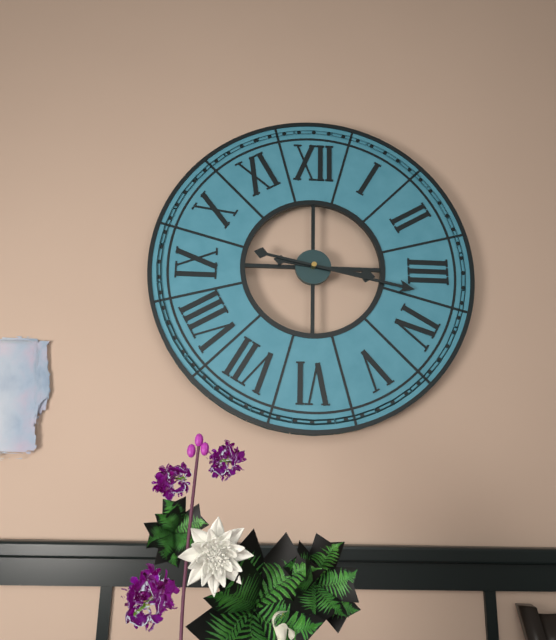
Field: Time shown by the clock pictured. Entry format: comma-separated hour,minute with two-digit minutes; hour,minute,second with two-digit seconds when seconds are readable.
3,17
